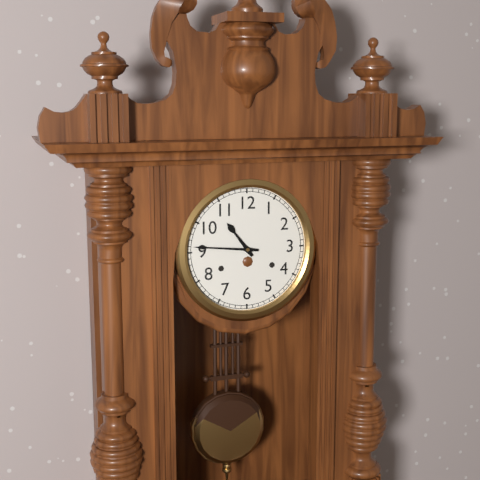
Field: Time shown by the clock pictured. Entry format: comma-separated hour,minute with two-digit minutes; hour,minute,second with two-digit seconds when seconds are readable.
10,46
